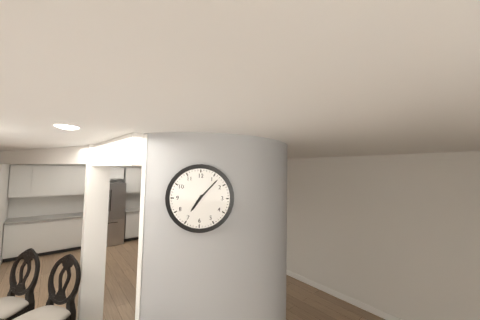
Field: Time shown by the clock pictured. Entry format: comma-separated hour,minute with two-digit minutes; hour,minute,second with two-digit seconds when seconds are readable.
7,07
